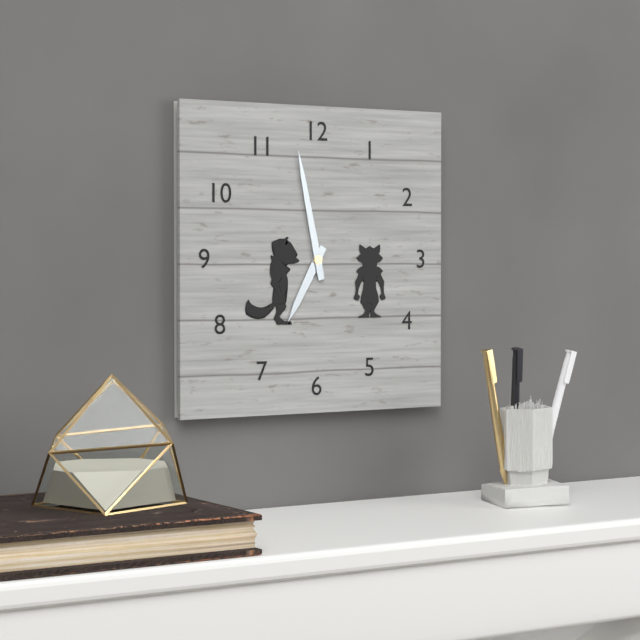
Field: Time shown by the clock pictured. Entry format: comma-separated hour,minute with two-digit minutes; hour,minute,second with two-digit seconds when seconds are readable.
6,58
